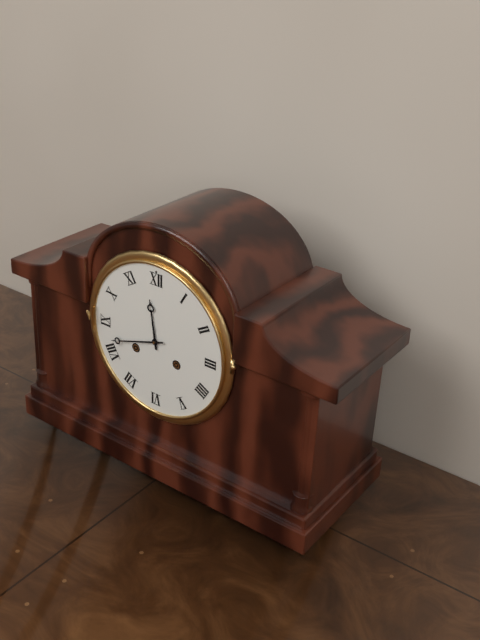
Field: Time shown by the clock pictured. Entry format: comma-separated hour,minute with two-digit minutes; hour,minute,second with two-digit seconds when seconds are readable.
11,42
